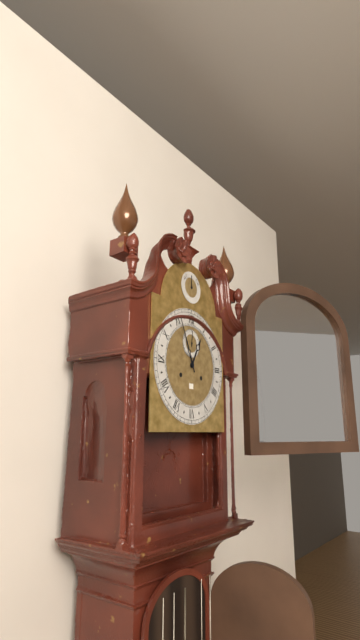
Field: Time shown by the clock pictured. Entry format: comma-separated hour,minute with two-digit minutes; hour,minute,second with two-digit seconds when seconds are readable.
12,56
